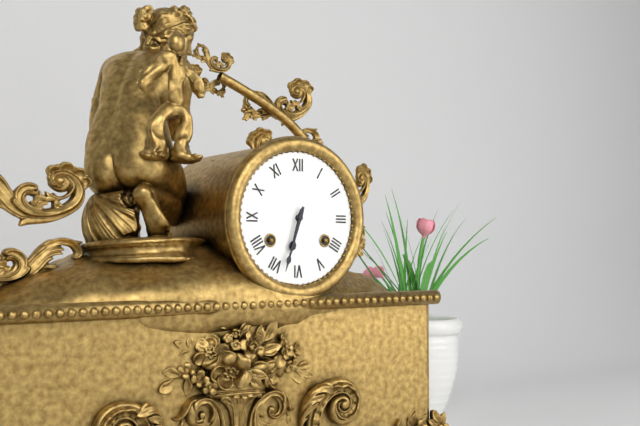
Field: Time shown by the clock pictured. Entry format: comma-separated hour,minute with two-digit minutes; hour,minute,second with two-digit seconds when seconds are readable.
6,33
